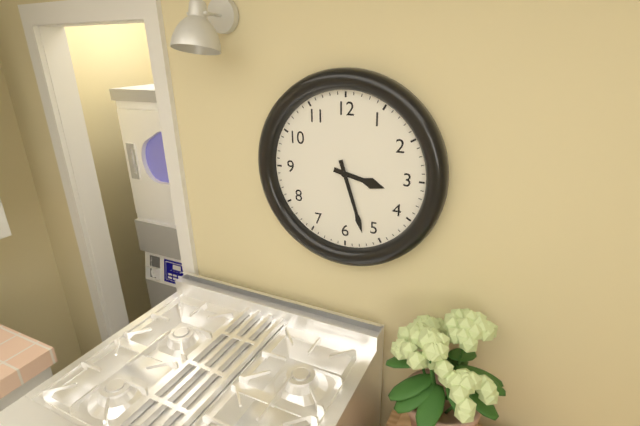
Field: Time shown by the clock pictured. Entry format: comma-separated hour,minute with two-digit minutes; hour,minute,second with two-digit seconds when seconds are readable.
3,27
